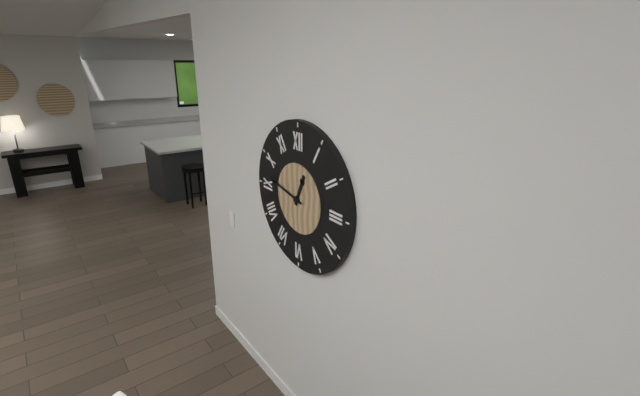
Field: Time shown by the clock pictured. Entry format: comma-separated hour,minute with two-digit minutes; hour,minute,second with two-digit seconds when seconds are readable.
12,47
